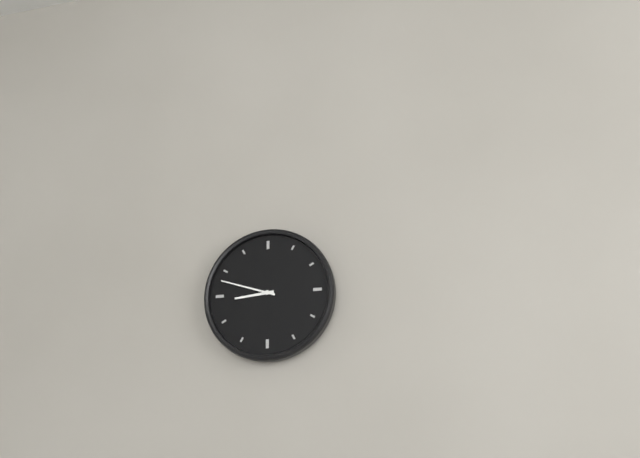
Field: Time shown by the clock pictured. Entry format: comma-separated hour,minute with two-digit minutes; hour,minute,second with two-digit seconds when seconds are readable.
8,48
